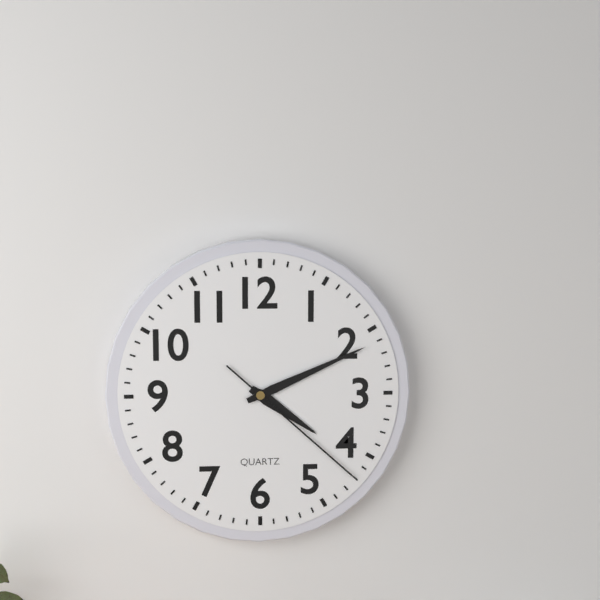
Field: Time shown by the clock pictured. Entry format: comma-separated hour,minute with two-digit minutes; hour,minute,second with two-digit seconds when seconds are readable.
4,11,22
